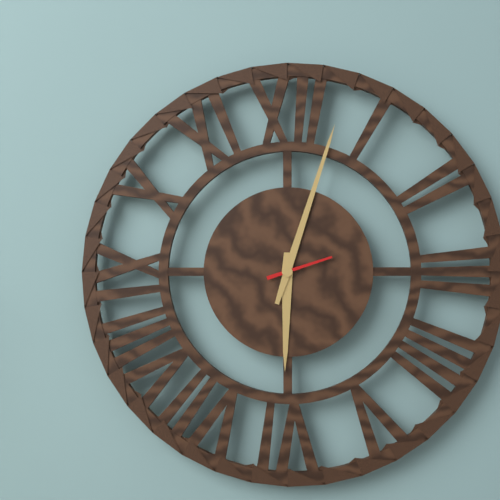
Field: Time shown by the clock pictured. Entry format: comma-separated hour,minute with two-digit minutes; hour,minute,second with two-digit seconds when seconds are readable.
6,03,12
